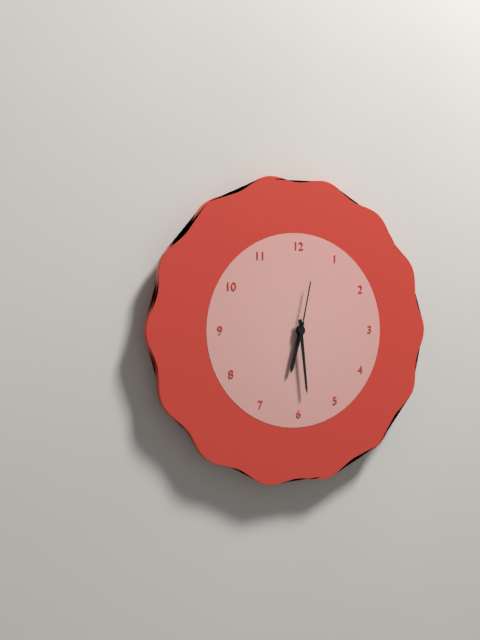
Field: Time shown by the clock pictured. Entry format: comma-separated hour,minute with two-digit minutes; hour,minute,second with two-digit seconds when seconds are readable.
6,29,02
